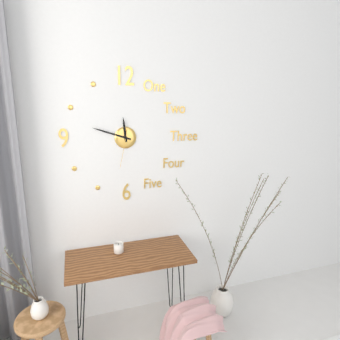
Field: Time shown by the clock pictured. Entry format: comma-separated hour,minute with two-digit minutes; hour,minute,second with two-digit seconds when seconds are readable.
11,48
